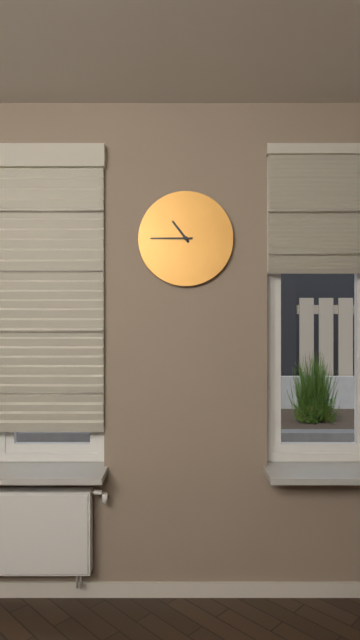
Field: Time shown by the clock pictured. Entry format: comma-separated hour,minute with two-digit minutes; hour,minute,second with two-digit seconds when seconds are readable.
10,45
